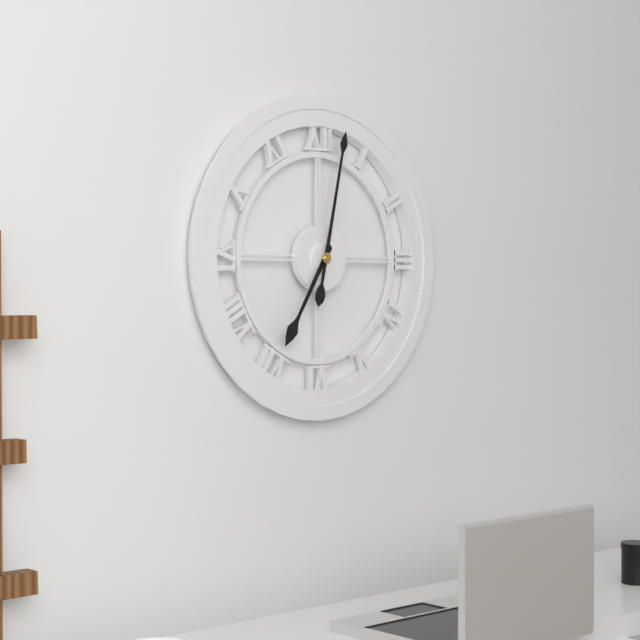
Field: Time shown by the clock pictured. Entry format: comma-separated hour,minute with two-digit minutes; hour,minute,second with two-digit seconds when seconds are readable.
7,02
